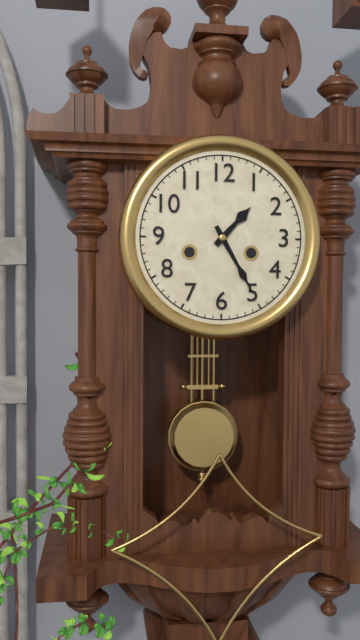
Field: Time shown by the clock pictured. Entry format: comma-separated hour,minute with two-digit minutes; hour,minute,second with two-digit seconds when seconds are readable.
1,25
